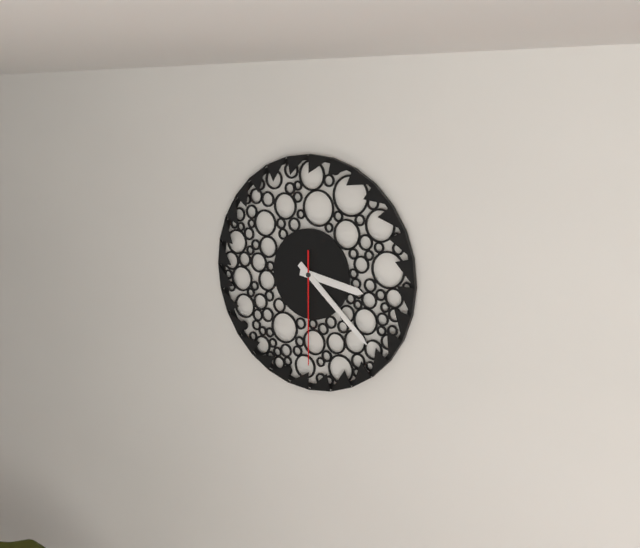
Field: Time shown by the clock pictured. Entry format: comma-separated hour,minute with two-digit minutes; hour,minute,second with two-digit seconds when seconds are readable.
3,22,30
